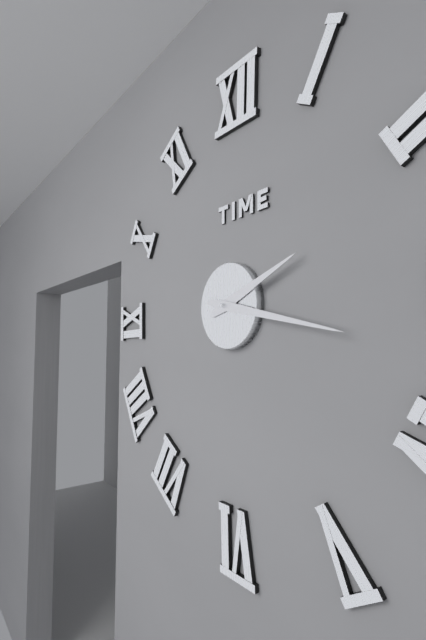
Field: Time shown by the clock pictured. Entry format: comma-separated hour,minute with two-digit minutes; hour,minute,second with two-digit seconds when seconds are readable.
2,17
